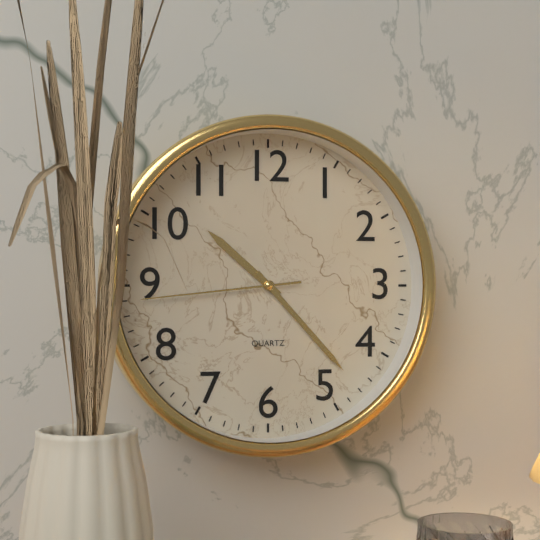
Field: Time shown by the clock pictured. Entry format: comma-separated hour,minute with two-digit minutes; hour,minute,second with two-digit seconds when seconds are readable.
10,23,44
